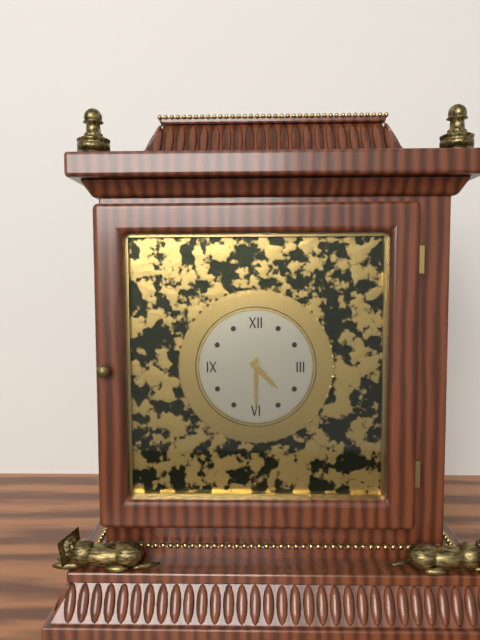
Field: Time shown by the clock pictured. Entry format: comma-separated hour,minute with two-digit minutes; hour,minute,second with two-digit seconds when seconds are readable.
4,30
